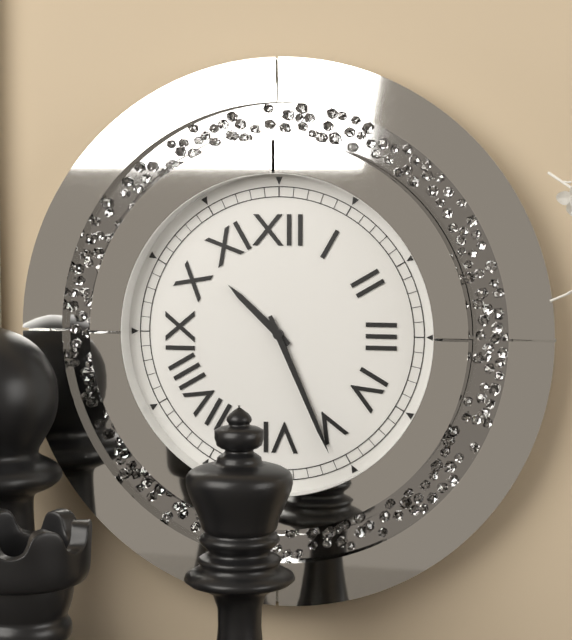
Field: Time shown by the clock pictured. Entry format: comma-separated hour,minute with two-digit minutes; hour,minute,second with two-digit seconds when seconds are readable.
10,26
